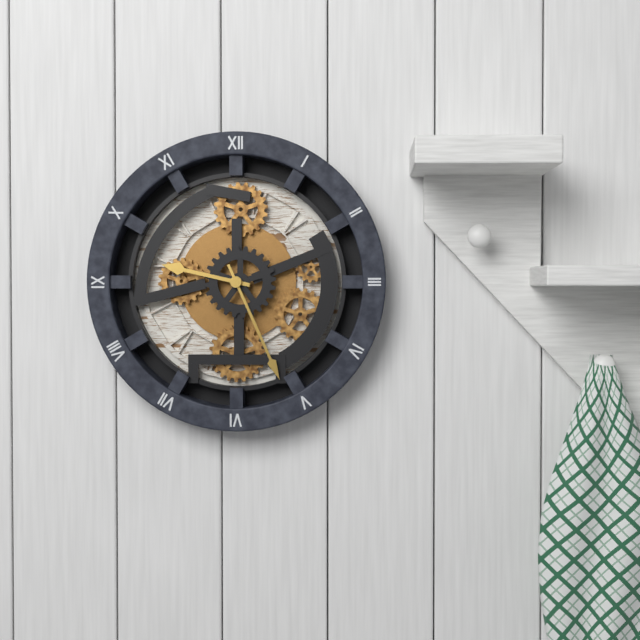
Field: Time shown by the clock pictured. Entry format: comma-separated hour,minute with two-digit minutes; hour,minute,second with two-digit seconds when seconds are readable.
9,26
